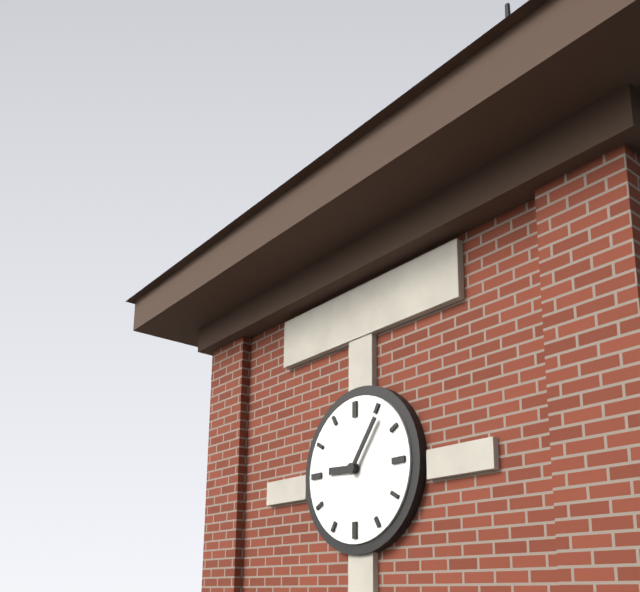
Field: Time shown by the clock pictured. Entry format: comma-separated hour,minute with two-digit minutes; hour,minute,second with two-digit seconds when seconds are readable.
9,06
